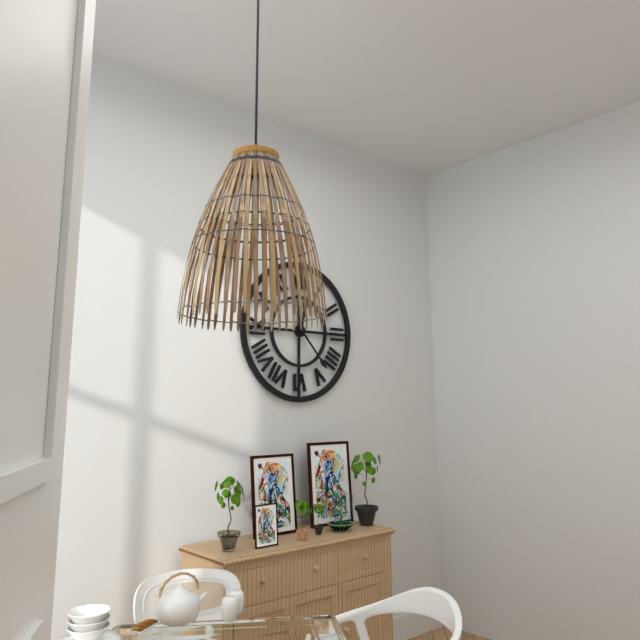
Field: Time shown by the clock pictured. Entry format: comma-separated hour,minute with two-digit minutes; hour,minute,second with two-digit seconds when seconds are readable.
12,23
